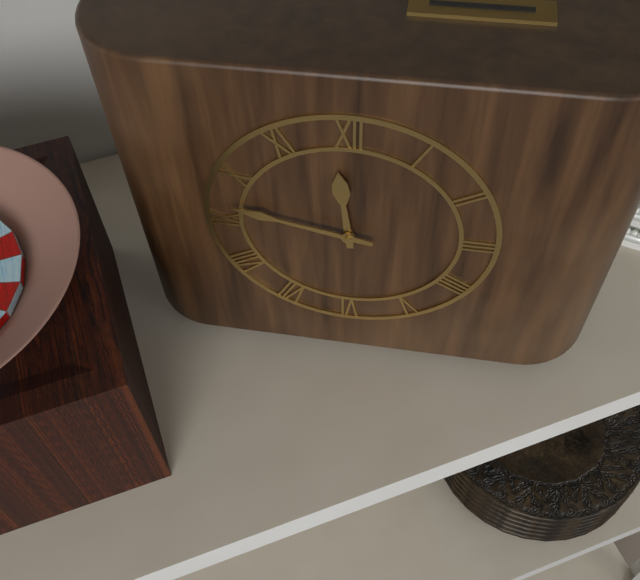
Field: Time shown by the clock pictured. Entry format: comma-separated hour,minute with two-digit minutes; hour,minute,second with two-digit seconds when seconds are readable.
11,47
